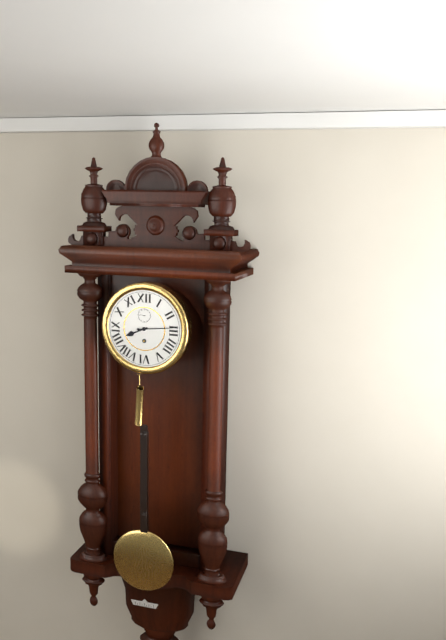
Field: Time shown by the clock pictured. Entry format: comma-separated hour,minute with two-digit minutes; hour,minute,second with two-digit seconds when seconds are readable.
8,14
